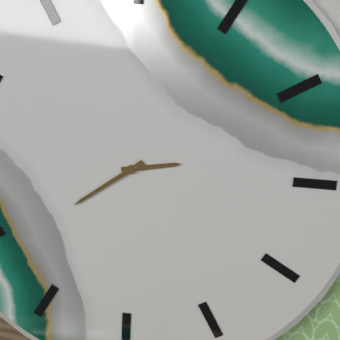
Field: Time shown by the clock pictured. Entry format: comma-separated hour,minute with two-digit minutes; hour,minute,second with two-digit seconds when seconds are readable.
2,39
